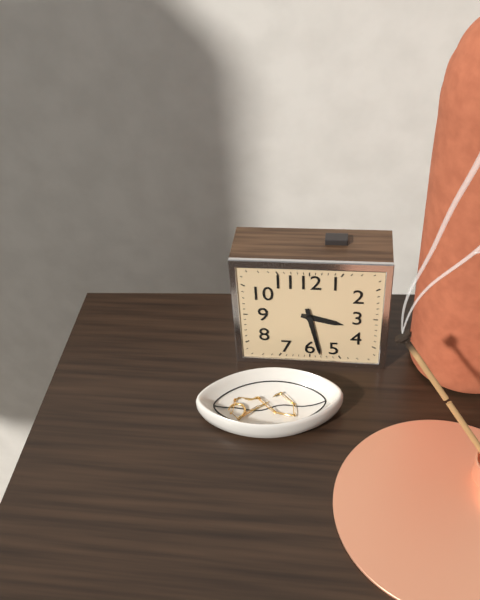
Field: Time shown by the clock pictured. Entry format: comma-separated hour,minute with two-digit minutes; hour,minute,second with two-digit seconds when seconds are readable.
3,28
